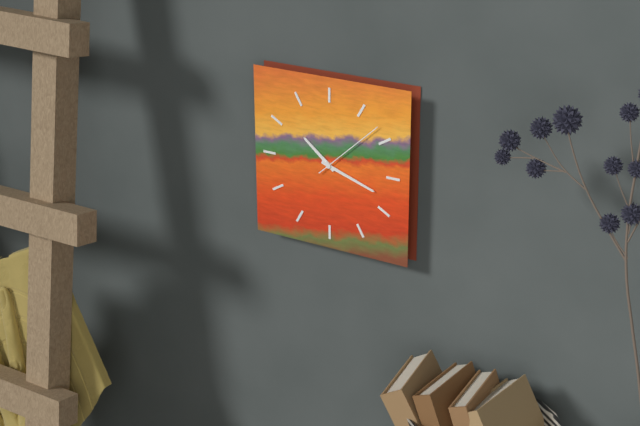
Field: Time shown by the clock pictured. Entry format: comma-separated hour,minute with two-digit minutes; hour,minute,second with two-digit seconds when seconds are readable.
10,18,08
